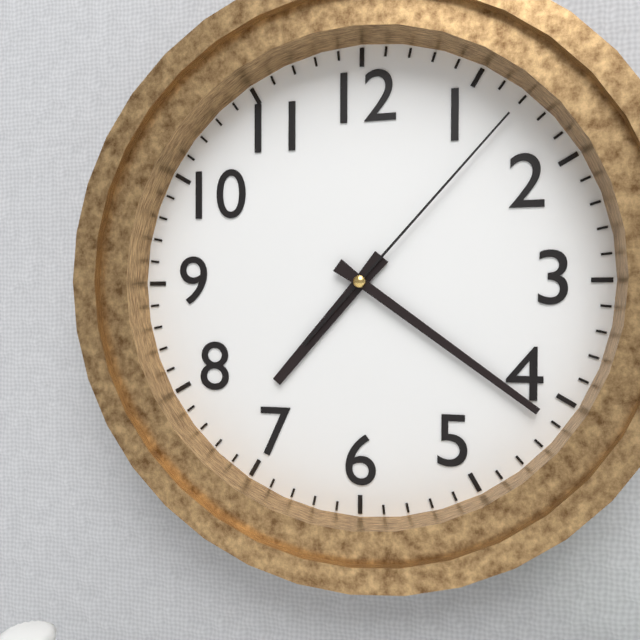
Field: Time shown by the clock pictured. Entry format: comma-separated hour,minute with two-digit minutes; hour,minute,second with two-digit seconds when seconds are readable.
7,21,07
